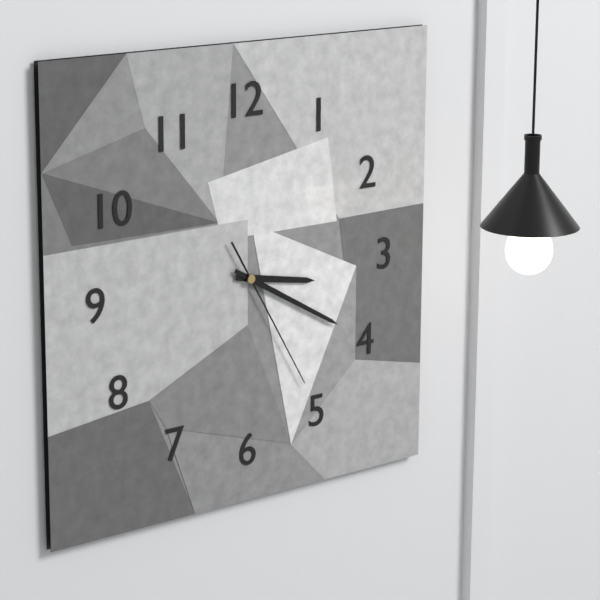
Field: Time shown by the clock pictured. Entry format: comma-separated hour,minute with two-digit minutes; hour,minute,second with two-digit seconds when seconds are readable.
3,20,25
